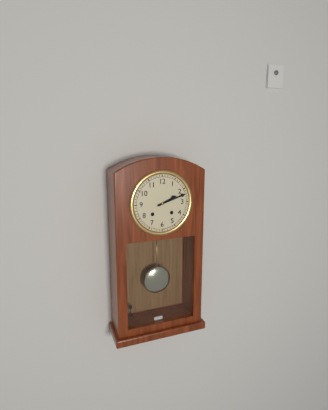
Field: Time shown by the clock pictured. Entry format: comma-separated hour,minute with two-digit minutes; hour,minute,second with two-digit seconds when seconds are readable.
2,12
